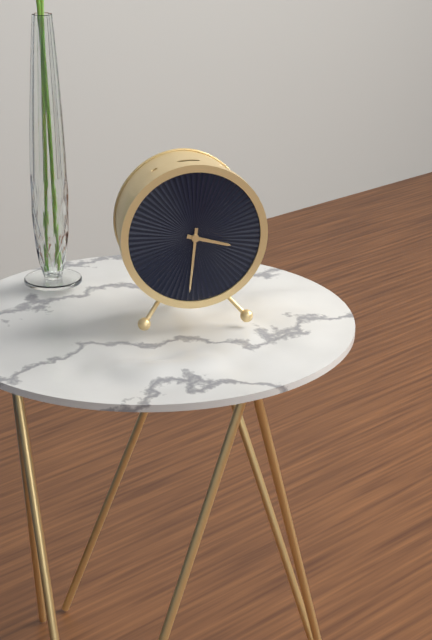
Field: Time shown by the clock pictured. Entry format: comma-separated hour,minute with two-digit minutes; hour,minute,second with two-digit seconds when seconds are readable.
3,31
